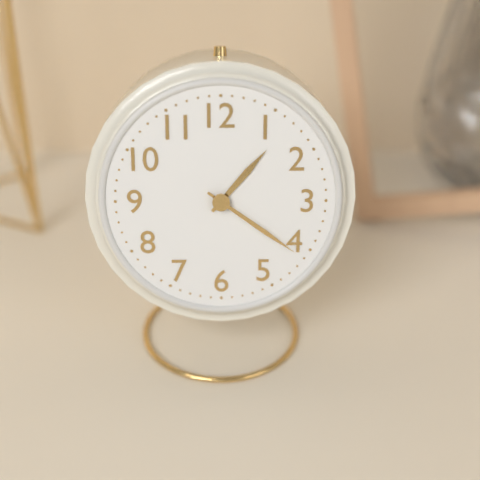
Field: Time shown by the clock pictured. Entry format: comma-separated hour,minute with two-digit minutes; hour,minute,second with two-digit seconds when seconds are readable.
1,21
